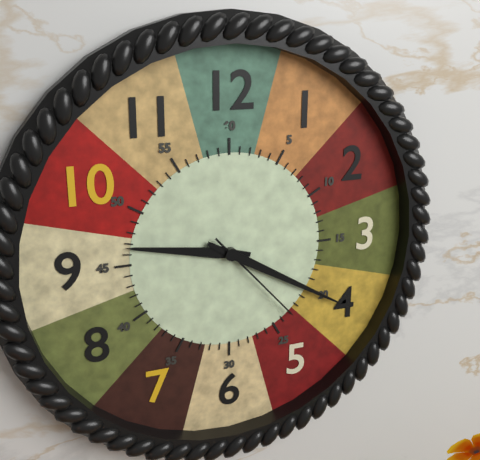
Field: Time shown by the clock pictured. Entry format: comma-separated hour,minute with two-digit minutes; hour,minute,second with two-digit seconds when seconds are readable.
9,20,23
